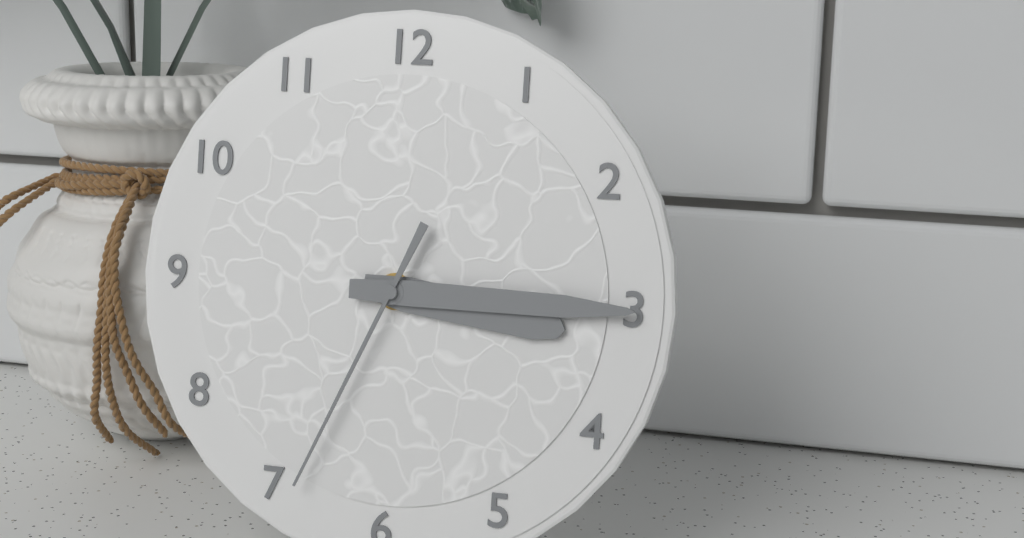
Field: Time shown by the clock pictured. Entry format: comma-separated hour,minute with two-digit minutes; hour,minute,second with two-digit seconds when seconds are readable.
3,15,34
